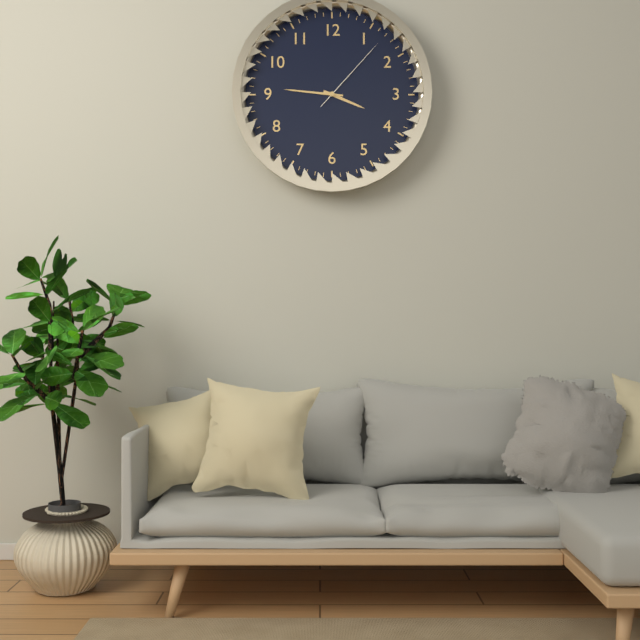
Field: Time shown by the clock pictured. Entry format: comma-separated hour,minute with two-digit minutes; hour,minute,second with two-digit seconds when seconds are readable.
3,46,07
